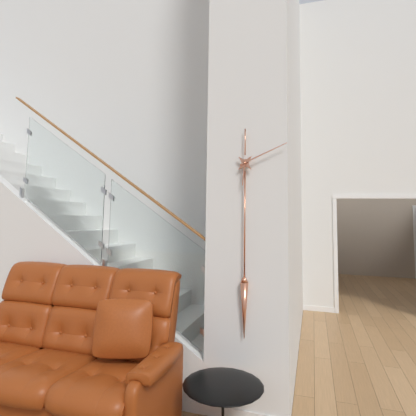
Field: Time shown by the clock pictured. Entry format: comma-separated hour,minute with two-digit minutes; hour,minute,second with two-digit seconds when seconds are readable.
6,11
